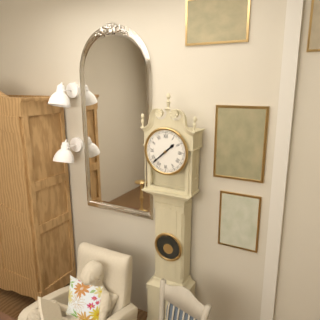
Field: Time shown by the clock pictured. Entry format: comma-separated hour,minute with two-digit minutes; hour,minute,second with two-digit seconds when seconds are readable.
1,38
